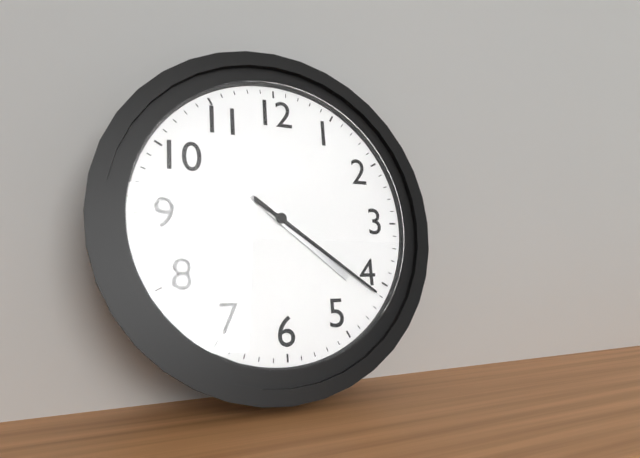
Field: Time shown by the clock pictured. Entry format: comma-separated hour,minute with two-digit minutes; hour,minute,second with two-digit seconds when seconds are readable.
4,21
